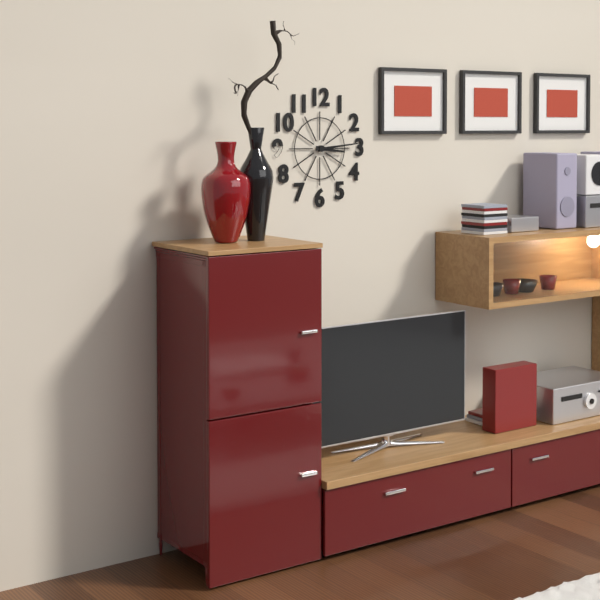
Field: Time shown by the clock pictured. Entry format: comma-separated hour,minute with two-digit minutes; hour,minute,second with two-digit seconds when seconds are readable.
3,14
